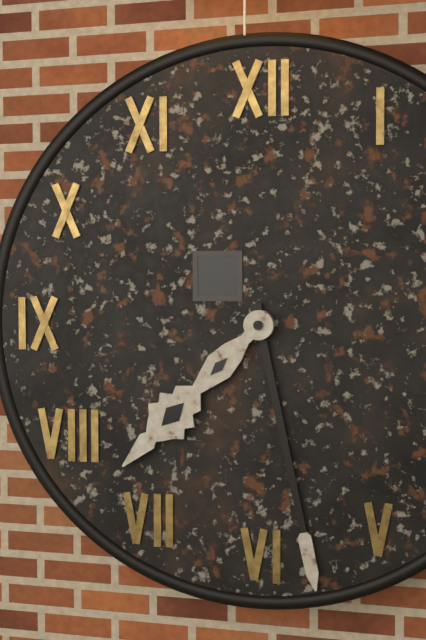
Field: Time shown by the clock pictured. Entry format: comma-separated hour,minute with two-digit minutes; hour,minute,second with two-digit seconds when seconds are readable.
7,28
